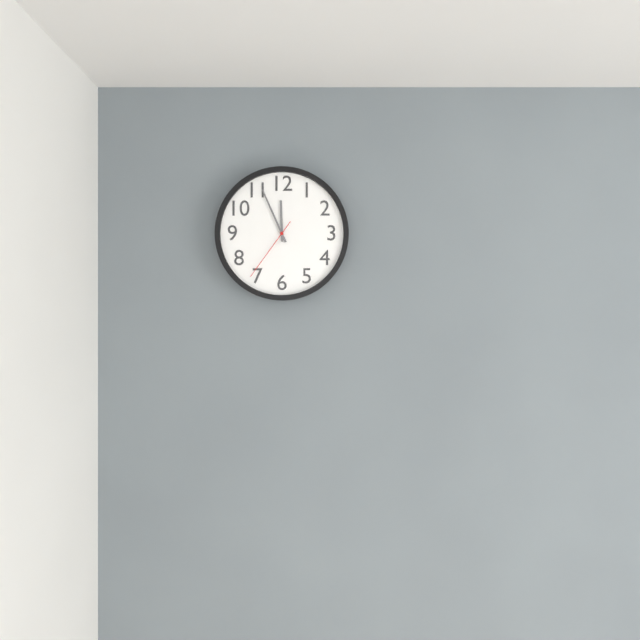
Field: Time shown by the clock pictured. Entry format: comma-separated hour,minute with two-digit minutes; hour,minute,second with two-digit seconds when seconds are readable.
11,56,36
